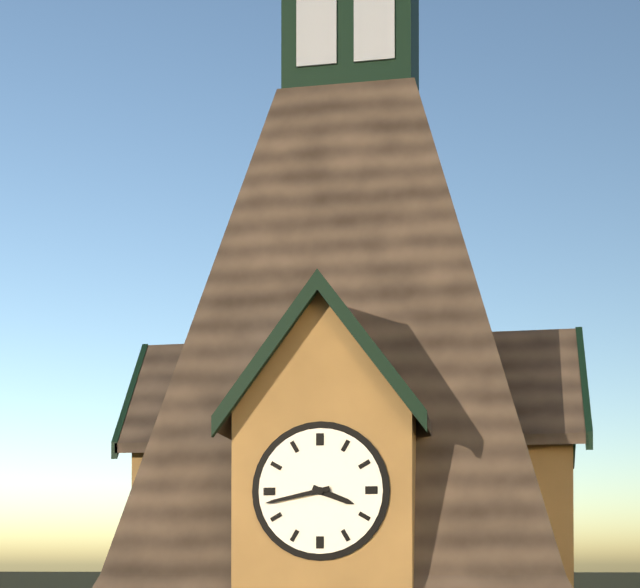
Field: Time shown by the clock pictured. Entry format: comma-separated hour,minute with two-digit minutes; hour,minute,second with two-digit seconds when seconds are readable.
3,43
